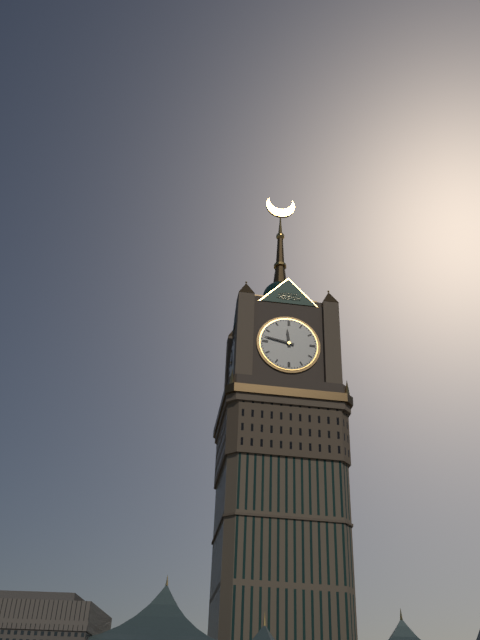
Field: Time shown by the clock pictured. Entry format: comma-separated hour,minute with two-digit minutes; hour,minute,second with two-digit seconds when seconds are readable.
11,47
